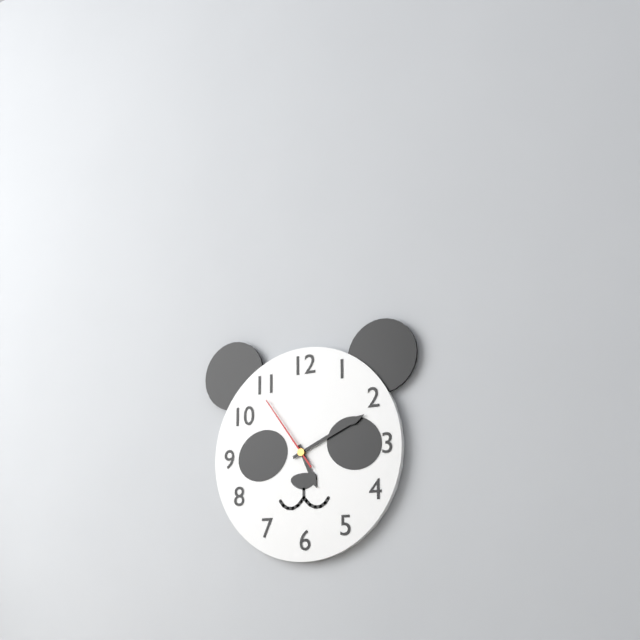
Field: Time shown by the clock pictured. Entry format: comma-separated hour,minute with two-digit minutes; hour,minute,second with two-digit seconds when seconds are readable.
5,11,54
